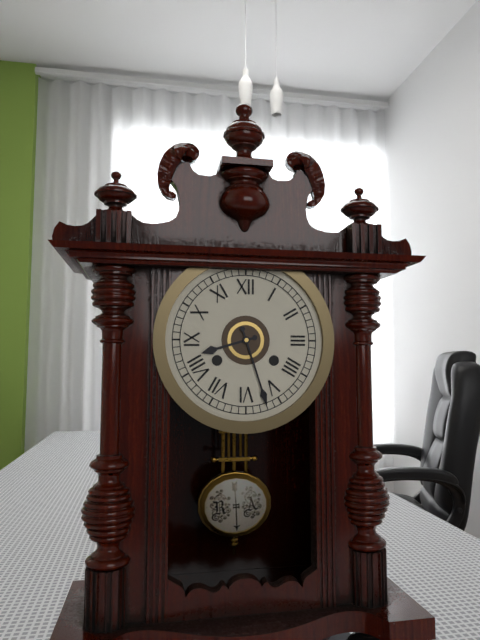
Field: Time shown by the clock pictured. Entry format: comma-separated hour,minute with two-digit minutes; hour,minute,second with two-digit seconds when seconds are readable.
8,27
